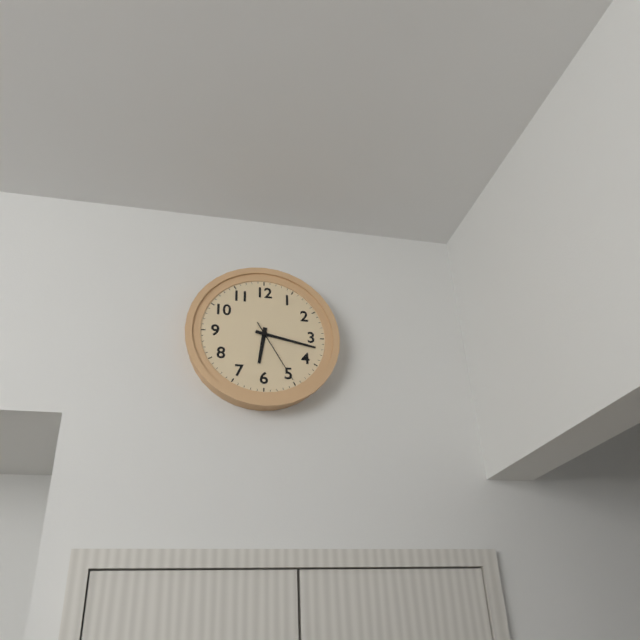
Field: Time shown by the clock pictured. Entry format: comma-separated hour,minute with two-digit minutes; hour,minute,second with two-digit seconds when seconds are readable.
6,17,25
